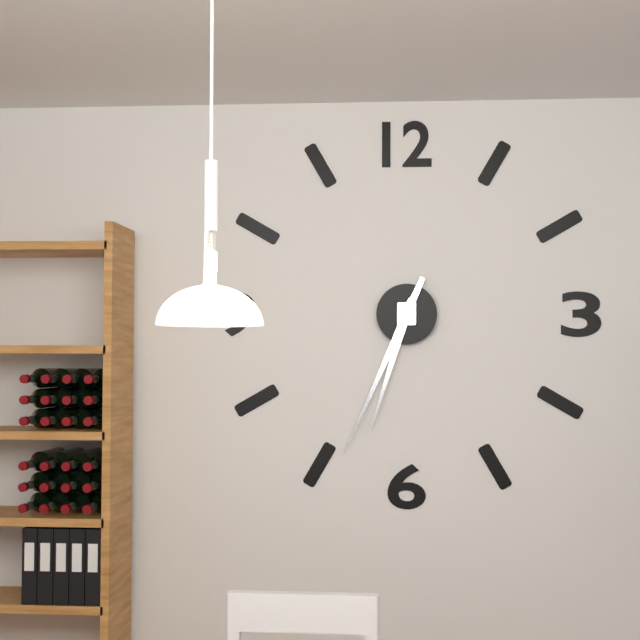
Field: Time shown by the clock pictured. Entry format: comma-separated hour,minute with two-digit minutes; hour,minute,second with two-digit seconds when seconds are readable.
6,34
